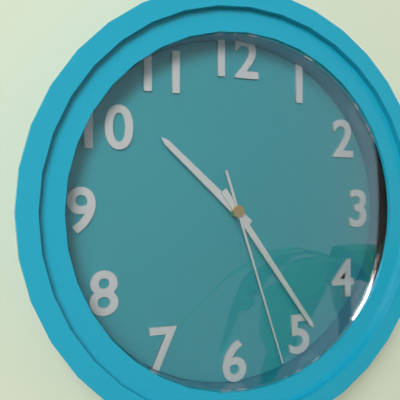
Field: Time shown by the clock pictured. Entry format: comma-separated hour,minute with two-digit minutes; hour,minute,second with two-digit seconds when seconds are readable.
10,24,27
